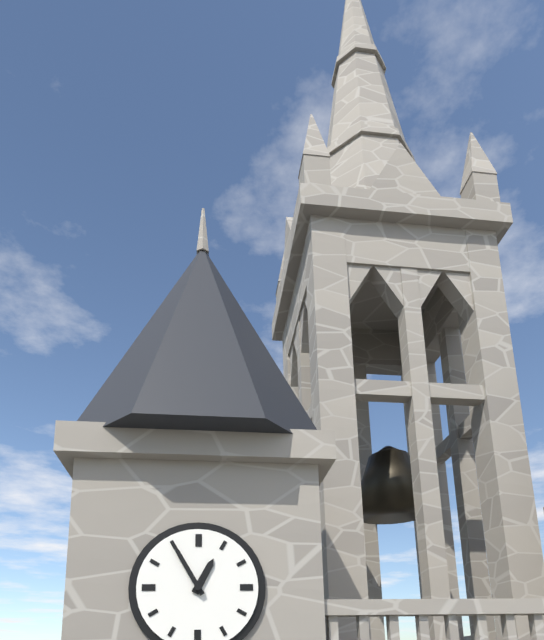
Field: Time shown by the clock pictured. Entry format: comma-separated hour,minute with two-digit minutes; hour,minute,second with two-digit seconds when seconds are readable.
12,55
